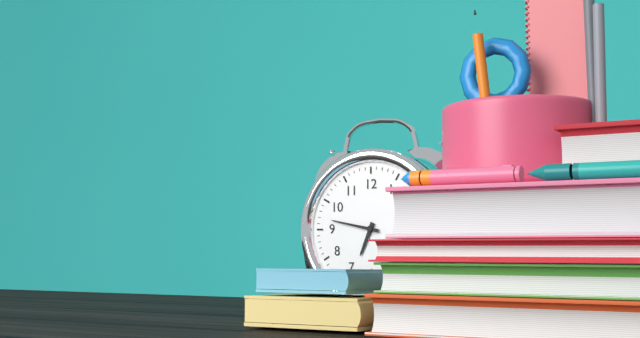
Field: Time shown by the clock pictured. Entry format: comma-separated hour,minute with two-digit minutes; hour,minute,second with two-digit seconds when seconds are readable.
6,47
